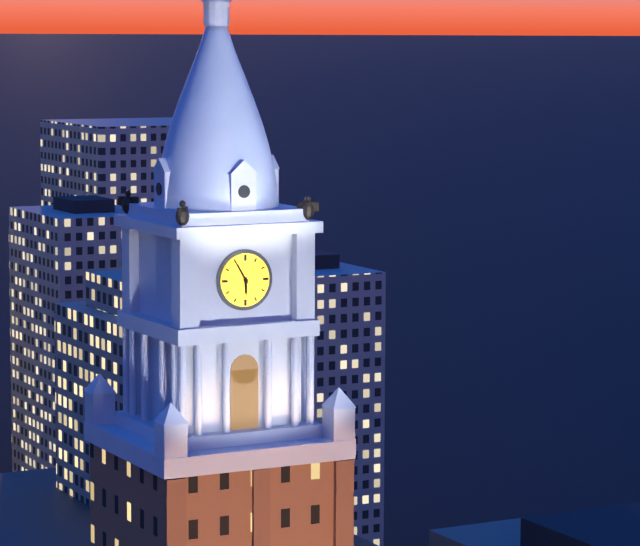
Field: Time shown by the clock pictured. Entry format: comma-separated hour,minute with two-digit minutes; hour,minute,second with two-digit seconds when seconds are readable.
5,55
